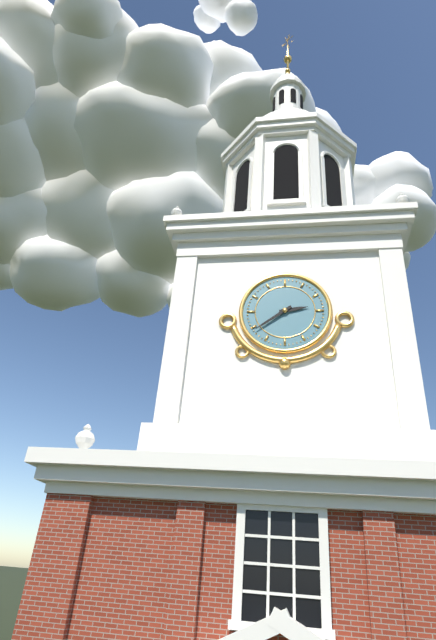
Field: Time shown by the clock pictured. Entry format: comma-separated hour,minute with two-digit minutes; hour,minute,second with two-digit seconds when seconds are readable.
2,39
